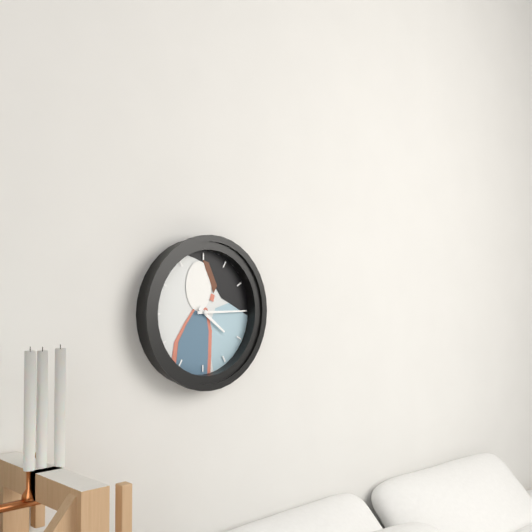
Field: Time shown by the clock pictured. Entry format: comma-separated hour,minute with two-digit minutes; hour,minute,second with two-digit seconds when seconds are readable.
4,15
